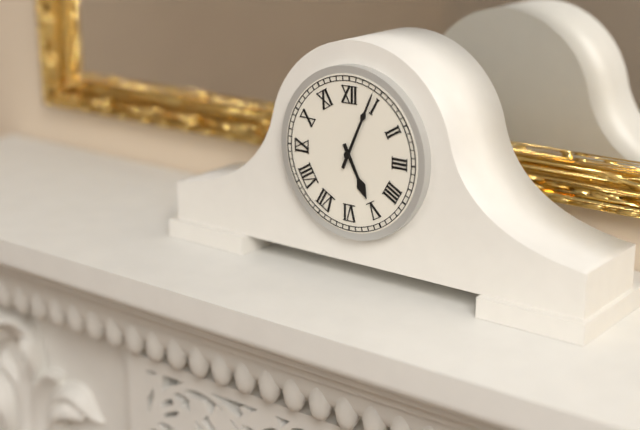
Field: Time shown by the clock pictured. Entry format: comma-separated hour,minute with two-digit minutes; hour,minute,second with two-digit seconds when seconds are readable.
5,04
